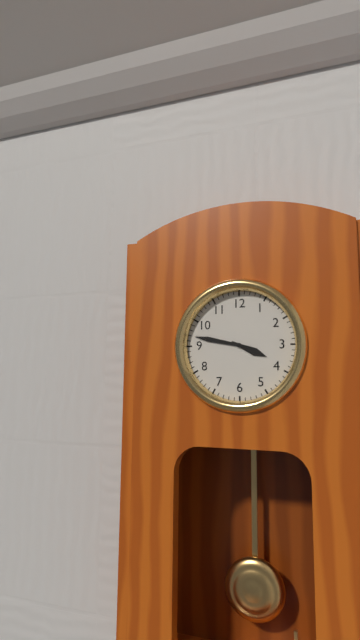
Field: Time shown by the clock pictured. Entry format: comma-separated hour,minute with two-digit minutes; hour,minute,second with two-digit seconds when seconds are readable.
3,47
